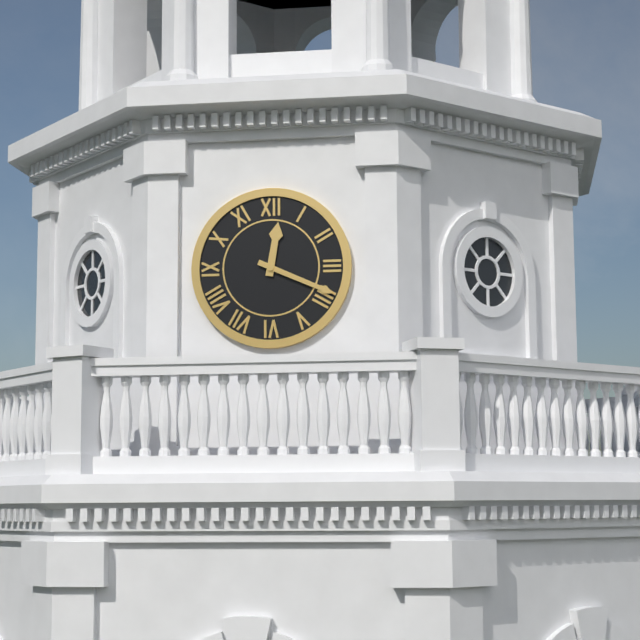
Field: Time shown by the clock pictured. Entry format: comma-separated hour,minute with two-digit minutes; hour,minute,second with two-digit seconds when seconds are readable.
12,19
